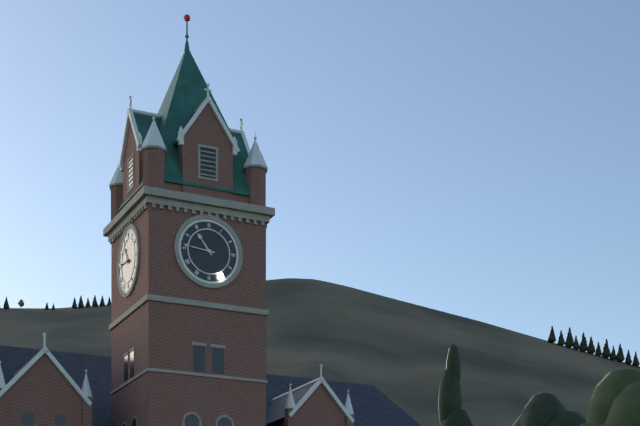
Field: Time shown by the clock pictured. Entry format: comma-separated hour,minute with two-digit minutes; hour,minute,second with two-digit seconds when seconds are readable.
10,46
